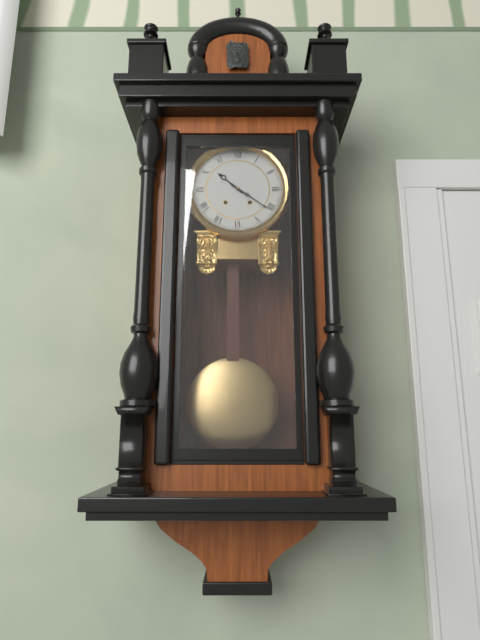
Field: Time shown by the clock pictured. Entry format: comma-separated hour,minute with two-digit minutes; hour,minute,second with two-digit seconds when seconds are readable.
10,21
